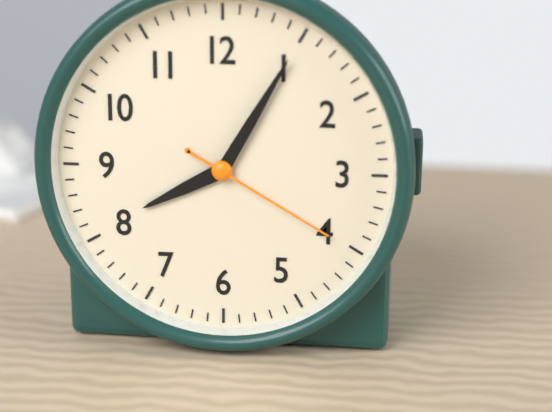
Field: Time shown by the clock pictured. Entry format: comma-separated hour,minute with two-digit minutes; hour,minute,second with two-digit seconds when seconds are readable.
8,05,20
